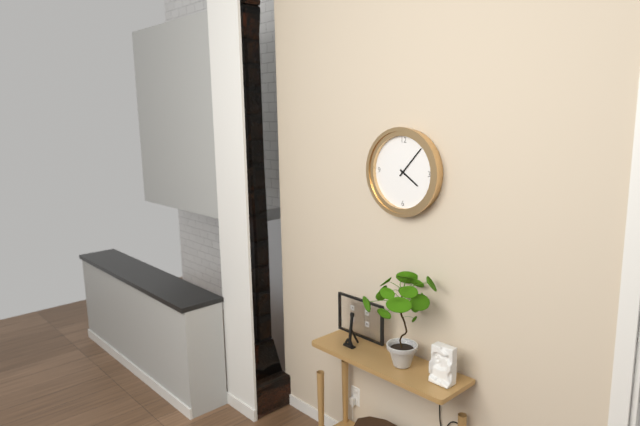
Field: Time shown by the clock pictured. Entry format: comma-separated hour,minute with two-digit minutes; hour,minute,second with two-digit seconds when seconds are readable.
4,07
